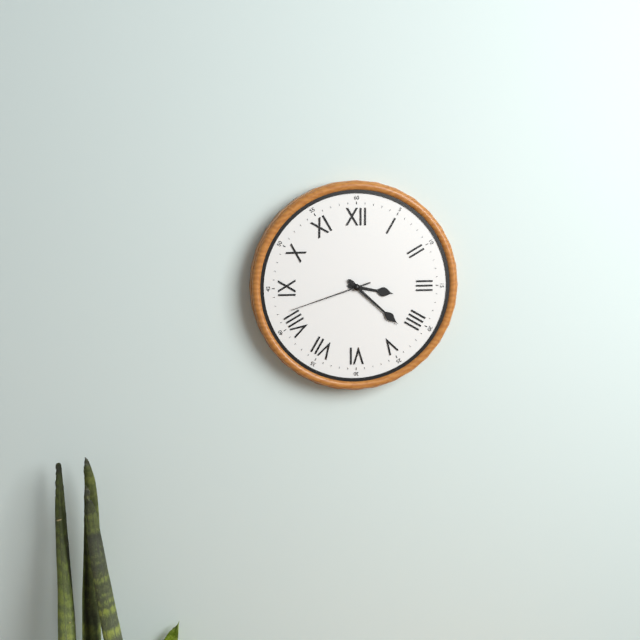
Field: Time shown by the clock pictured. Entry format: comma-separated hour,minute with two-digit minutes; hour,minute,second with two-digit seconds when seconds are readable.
3,22,42
